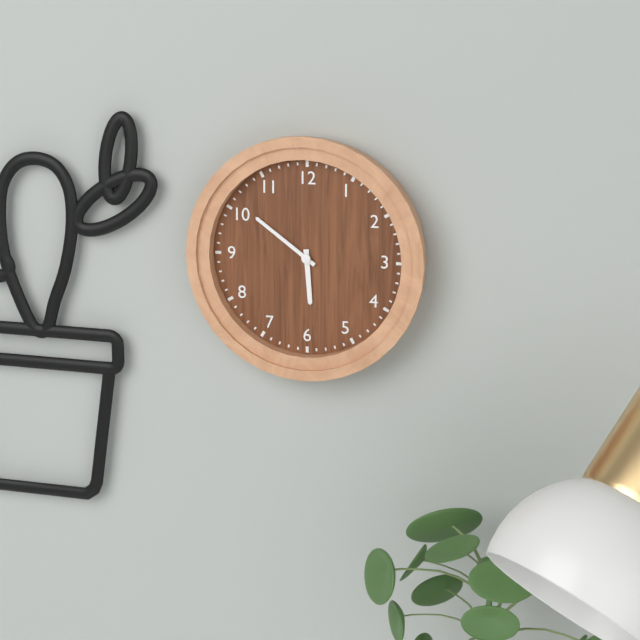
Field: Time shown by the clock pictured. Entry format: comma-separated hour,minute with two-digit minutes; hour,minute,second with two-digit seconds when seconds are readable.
5,51
